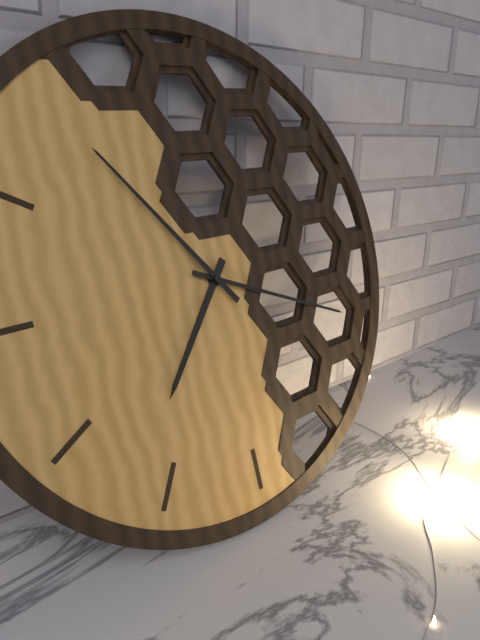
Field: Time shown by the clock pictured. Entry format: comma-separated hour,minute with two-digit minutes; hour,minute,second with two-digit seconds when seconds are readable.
7,19,54
